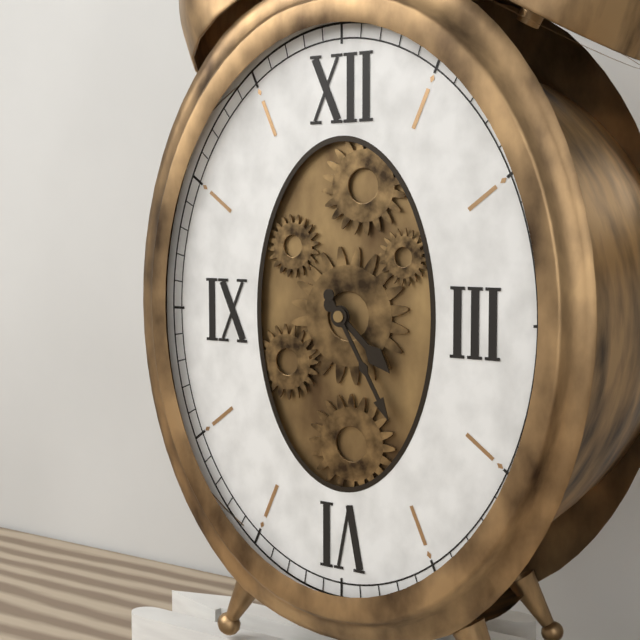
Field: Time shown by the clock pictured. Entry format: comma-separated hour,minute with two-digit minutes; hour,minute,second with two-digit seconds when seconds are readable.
4,25
